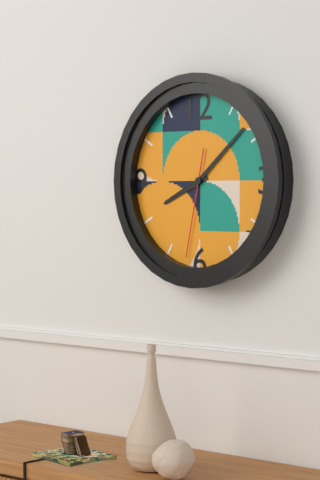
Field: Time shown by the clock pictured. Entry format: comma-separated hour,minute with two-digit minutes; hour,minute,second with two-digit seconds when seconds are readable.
8,08,32
